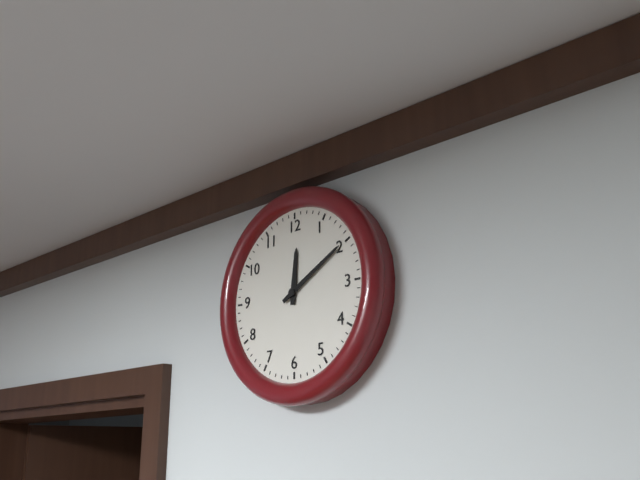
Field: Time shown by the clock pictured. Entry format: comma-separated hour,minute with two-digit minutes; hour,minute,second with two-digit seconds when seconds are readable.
12,10
